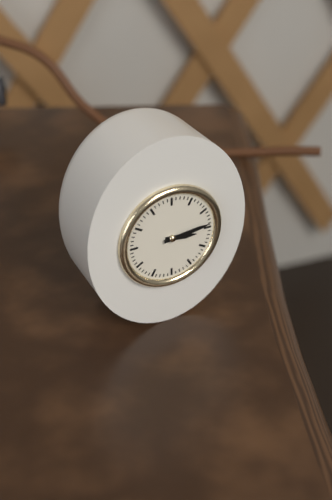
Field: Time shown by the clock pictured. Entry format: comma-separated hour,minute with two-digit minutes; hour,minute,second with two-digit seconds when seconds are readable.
3,14
